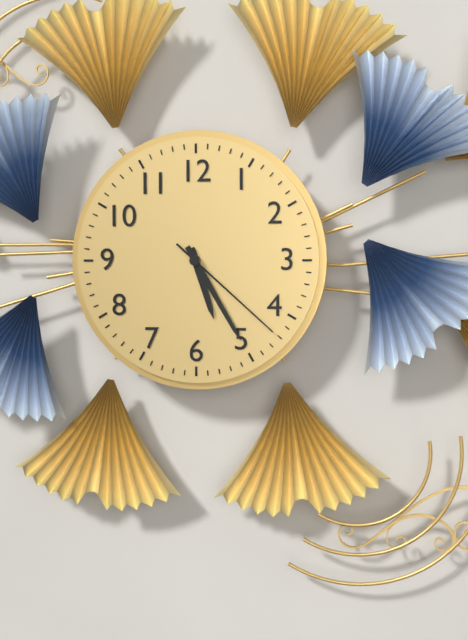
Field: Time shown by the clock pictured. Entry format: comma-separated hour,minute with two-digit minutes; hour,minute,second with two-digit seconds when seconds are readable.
5,25,22
